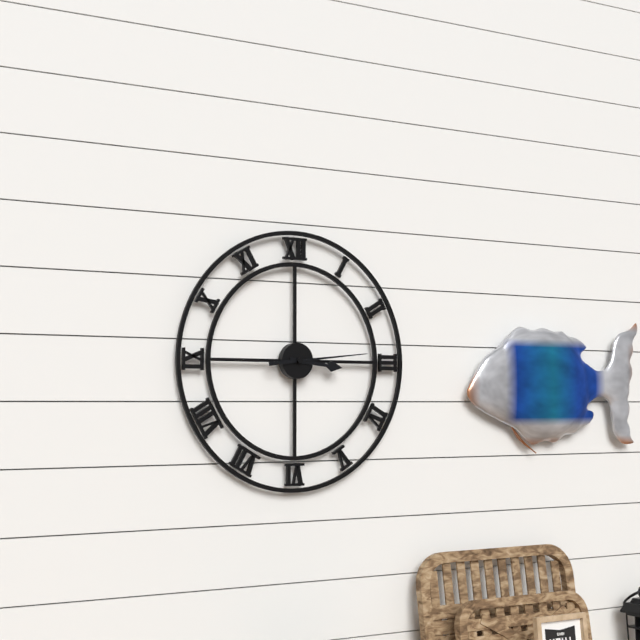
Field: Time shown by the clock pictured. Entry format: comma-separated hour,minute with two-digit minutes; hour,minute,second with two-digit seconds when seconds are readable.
3,14
